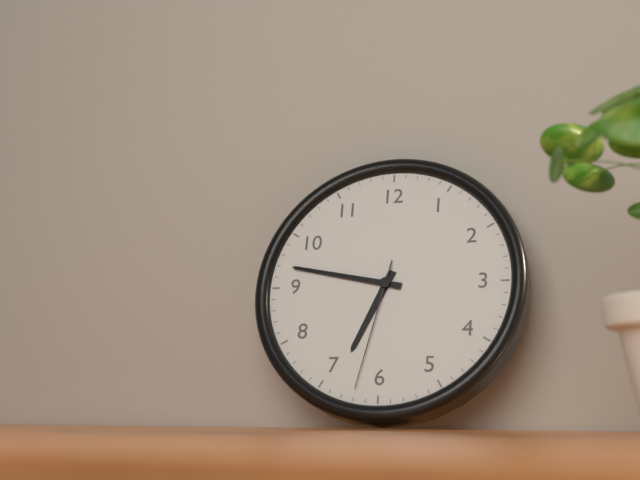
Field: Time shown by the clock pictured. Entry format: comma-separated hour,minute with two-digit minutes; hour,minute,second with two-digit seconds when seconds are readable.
6,47,32
